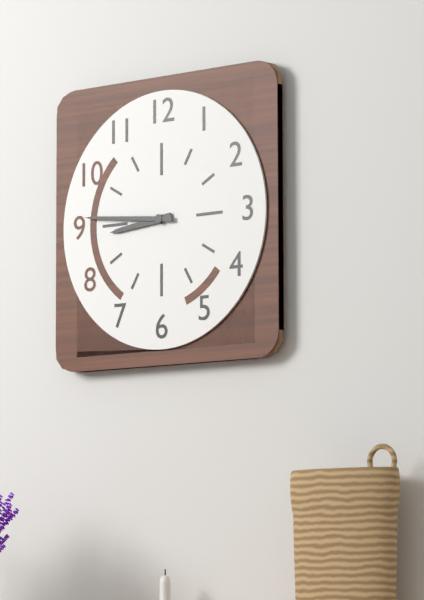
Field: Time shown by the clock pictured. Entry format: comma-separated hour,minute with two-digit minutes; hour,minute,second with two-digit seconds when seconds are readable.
8,46
